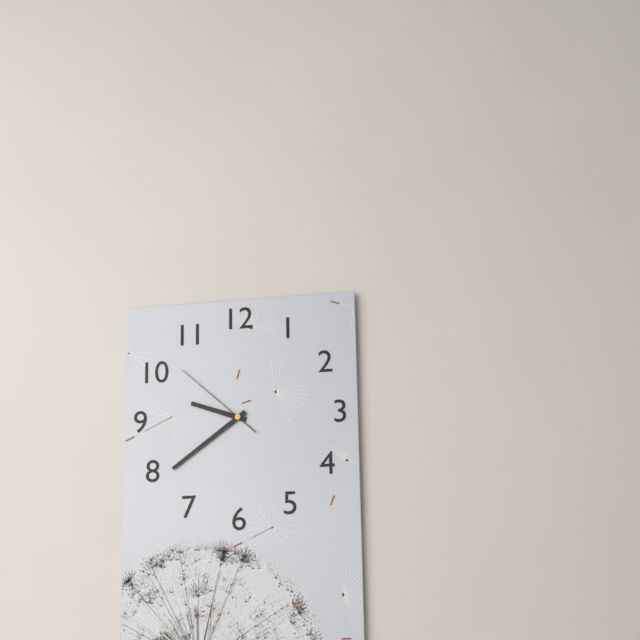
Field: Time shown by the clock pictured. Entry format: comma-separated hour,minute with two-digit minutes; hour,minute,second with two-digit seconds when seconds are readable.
9,39,52
